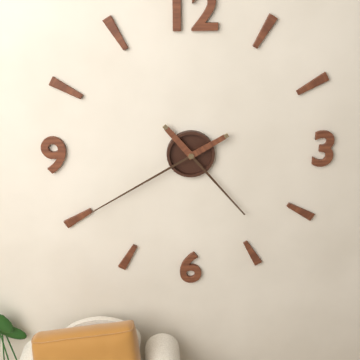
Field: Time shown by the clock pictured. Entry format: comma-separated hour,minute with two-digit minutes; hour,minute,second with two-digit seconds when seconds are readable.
4,40
